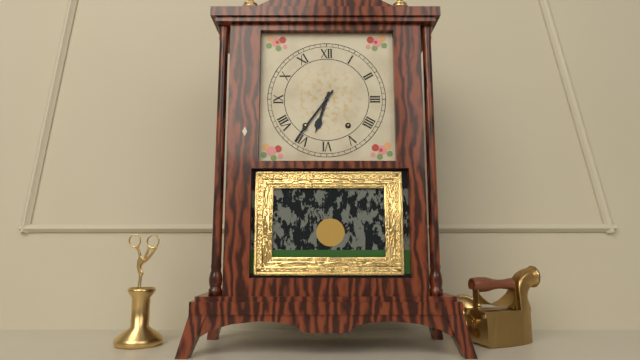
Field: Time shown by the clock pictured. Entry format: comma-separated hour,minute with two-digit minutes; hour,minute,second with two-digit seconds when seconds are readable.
6,36
